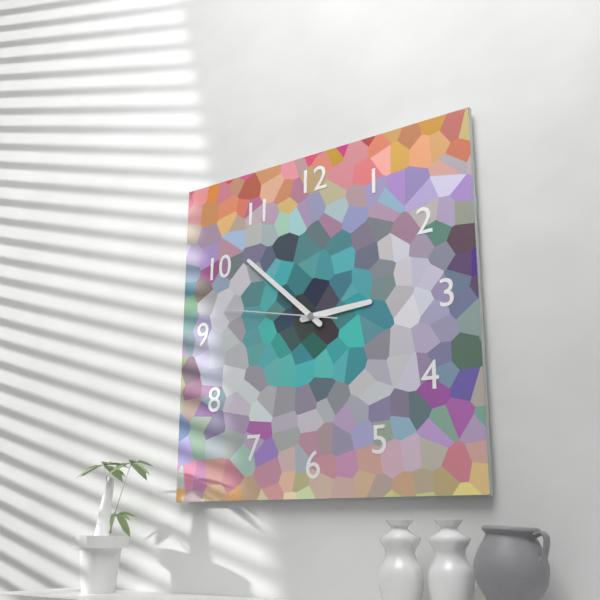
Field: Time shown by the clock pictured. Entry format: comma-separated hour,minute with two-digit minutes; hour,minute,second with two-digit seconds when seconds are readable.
2,52,47
